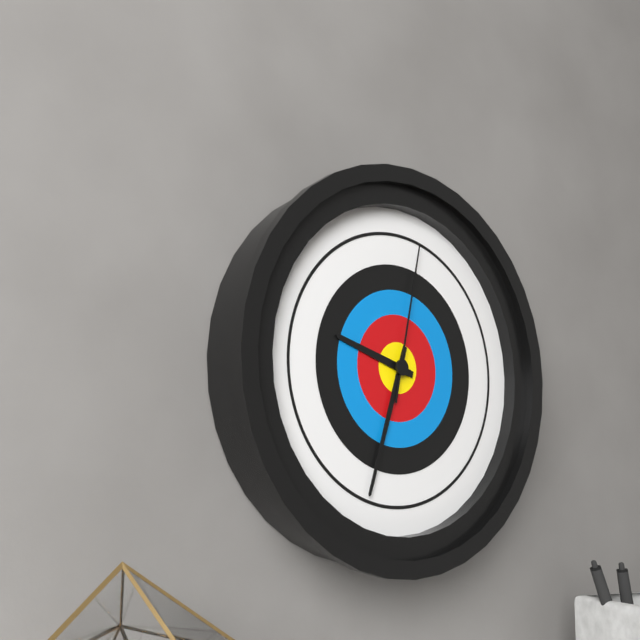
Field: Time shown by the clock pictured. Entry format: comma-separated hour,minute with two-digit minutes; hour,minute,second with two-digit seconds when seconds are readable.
9,33,02
